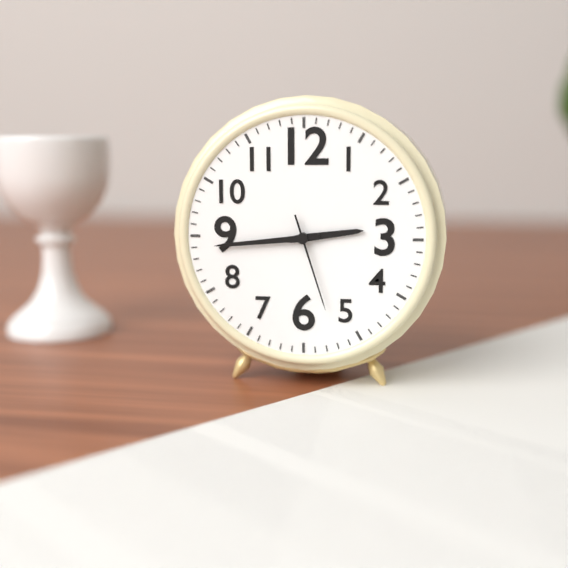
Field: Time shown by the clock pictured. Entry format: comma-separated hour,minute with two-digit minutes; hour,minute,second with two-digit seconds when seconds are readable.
2,44,27
